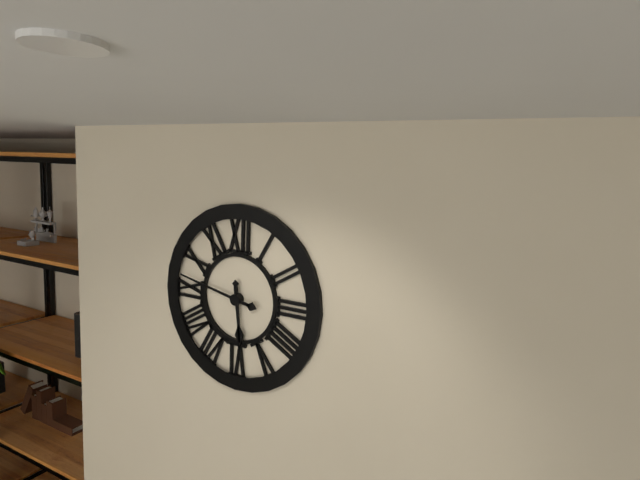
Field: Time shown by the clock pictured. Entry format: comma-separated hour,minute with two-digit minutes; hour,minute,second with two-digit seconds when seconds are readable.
5,47
